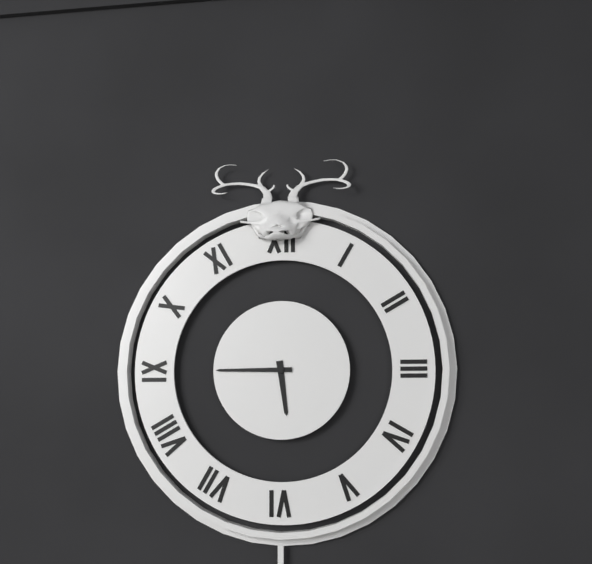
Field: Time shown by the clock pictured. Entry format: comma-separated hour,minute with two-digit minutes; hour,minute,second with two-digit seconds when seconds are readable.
5,45
